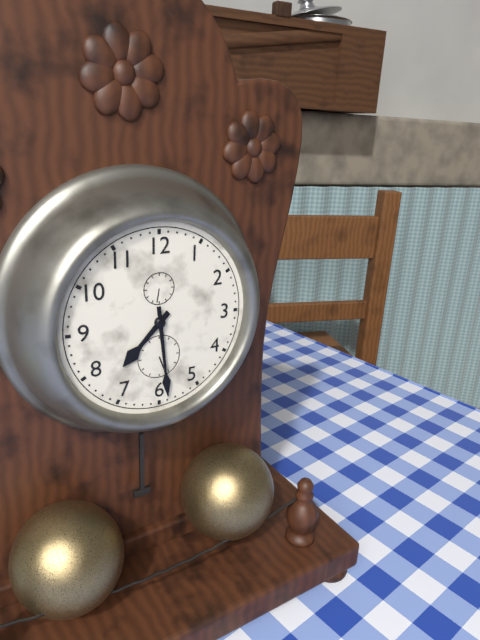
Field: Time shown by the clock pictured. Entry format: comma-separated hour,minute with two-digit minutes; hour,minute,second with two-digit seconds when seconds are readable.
7,29
